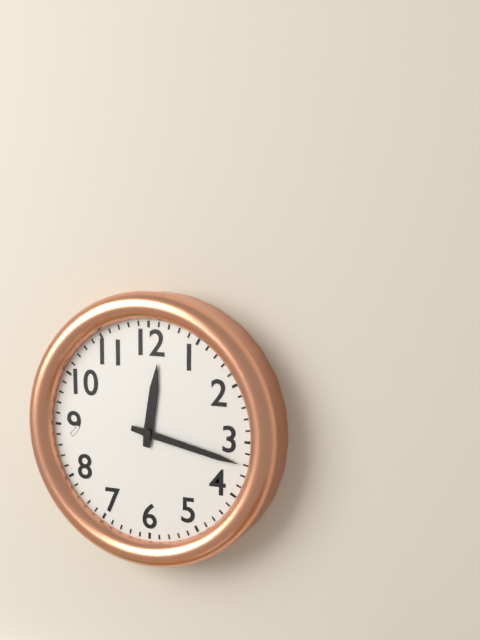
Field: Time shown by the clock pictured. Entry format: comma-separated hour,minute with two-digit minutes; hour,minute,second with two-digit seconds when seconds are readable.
12,17
